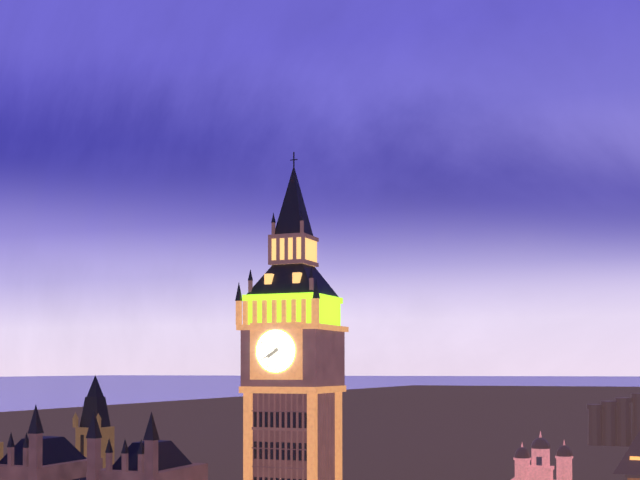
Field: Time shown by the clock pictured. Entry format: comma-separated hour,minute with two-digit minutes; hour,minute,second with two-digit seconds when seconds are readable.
7,40
